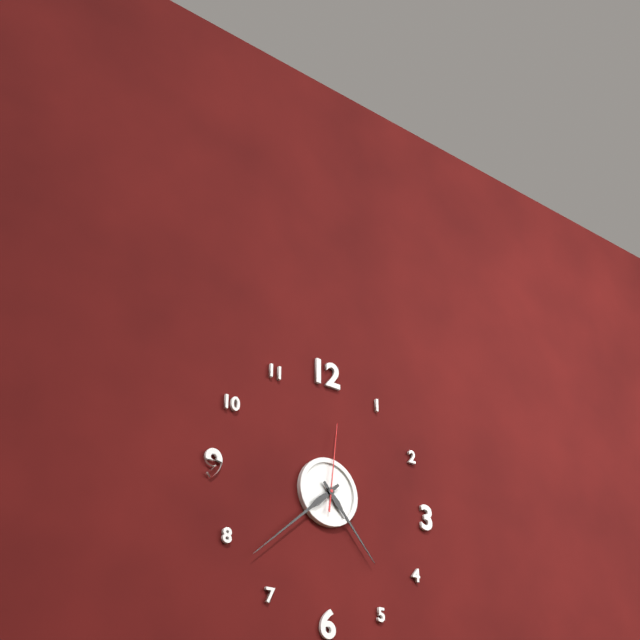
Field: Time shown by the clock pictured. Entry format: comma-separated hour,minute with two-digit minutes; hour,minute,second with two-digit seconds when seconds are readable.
4,38,01
